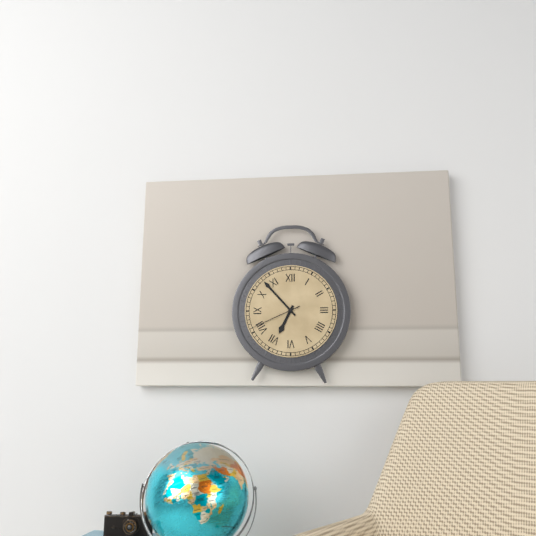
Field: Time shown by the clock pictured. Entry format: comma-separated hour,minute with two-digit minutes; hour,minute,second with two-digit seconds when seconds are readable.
6,53,41
